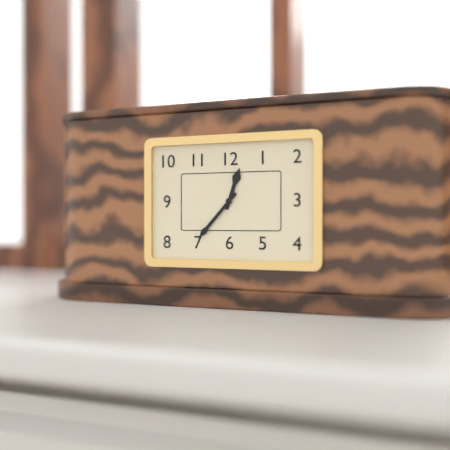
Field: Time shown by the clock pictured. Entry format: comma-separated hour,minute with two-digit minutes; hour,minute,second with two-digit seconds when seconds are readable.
12,37
